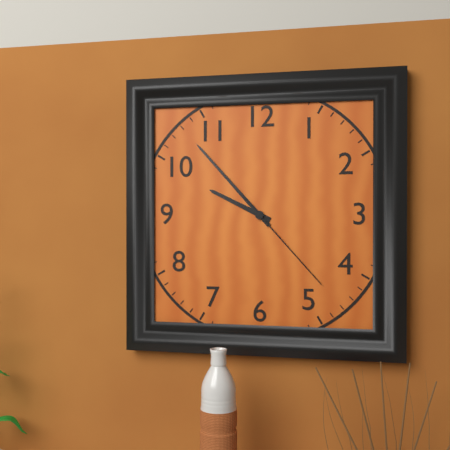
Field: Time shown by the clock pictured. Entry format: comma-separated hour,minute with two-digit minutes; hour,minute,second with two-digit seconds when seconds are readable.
9,53,23
